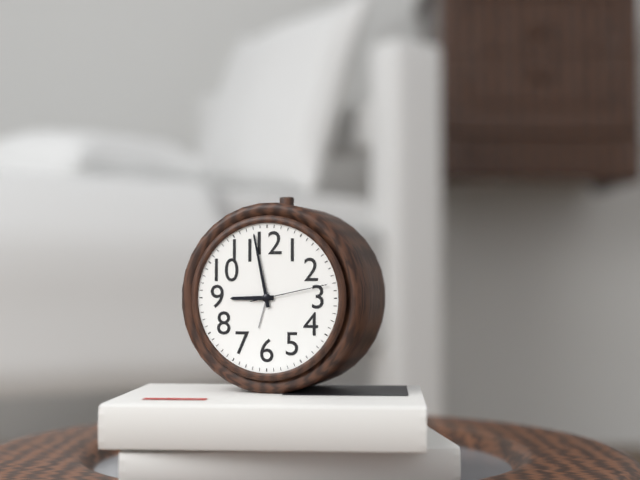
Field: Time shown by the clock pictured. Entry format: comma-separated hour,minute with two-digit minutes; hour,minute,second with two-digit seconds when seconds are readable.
8,58,13
